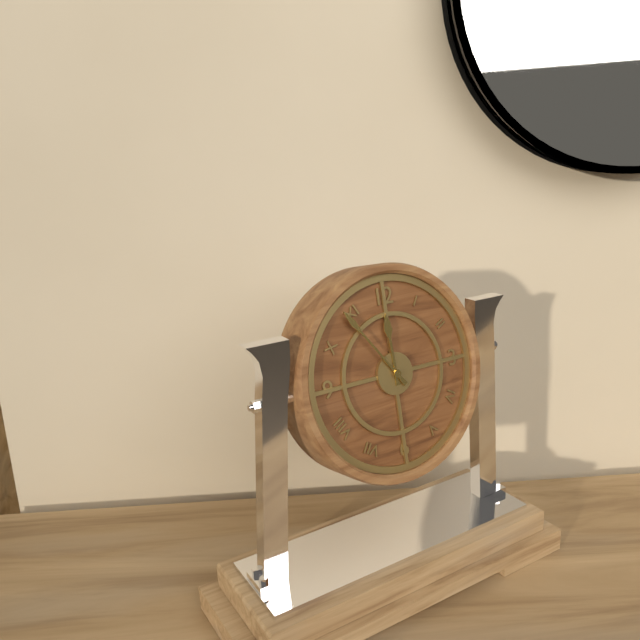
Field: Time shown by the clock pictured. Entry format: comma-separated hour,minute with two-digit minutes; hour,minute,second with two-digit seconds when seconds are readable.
11,54
